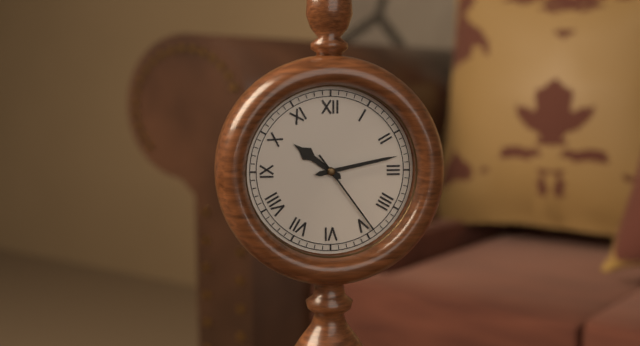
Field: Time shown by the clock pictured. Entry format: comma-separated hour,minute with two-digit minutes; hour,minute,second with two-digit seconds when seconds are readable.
10,13,24
